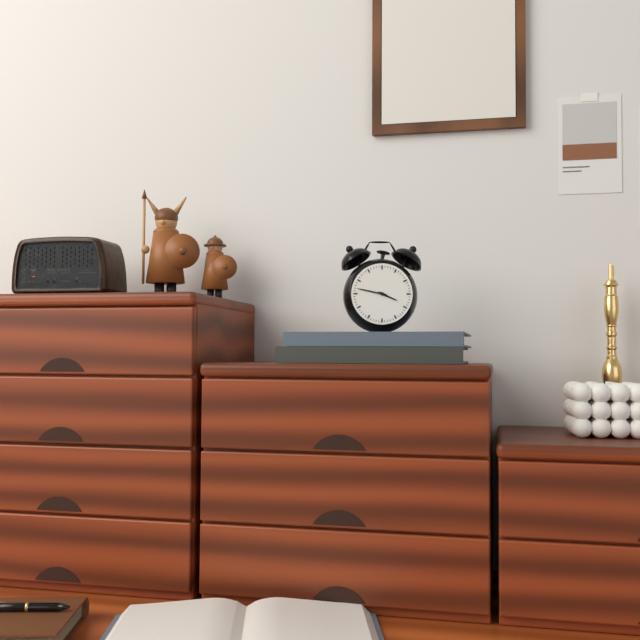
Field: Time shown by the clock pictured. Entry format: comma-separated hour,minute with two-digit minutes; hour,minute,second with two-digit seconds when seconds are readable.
3,47
